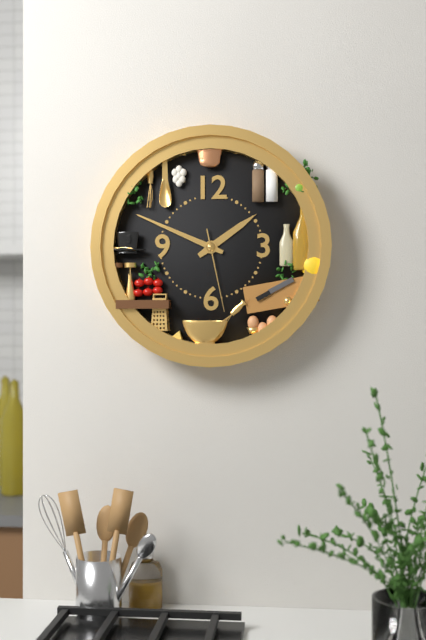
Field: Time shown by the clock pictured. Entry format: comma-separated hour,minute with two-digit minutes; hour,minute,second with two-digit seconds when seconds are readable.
1,49,28
